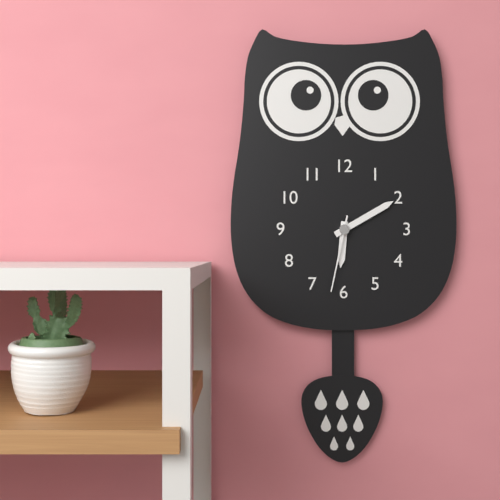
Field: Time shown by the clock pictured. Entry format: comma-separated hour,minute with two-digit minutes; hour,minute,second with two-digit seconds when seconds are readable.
6,10,32
